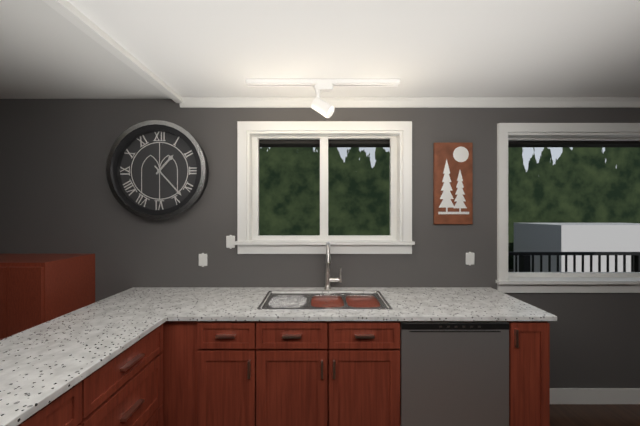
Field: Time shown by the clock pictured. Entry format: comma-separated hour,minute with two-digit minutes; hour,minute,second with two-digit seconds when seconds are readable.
1,23
